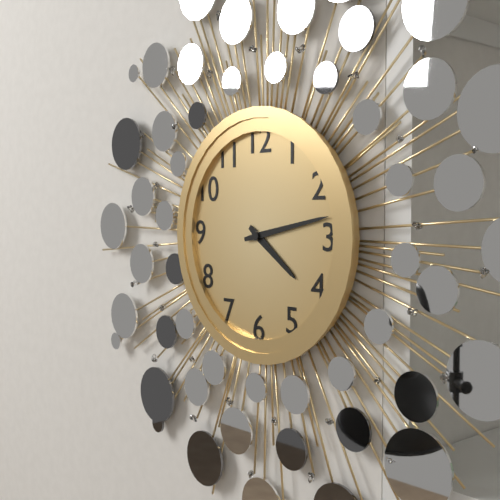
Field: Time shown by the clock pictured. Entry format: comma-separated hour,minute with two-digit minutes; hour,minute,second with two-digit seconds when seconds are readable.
4,13
